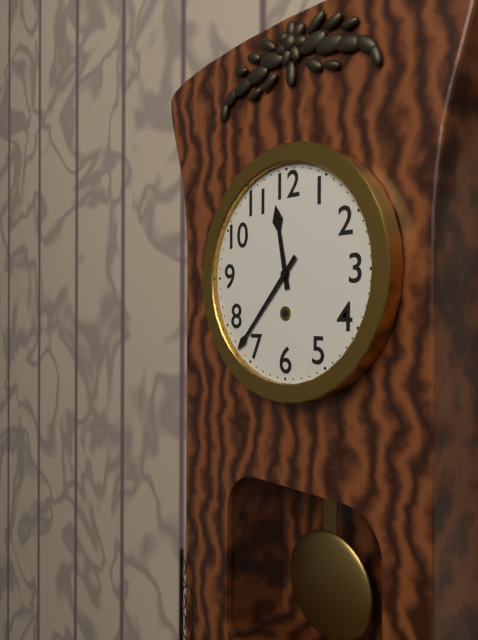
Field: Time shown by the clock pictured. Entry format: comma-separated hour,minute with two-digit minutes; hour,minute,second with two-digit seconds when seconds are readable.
11,37
